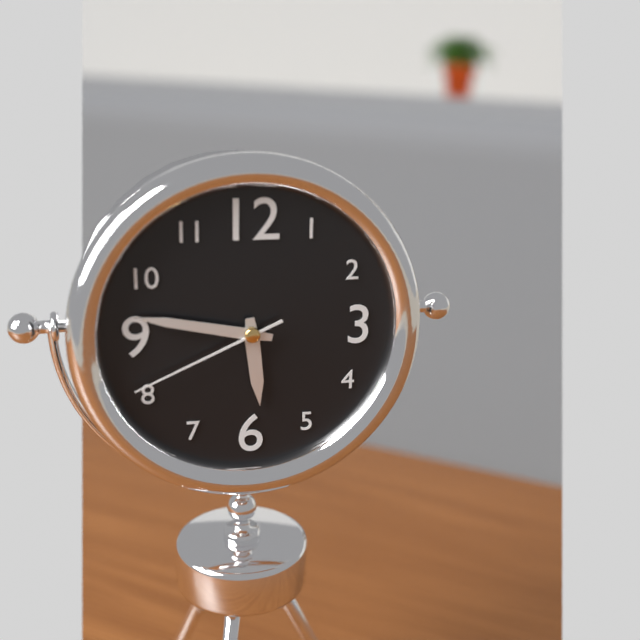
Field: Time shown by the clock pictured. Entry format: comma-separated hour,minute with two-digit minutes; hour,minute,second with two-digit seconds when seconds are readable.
5,47,41
